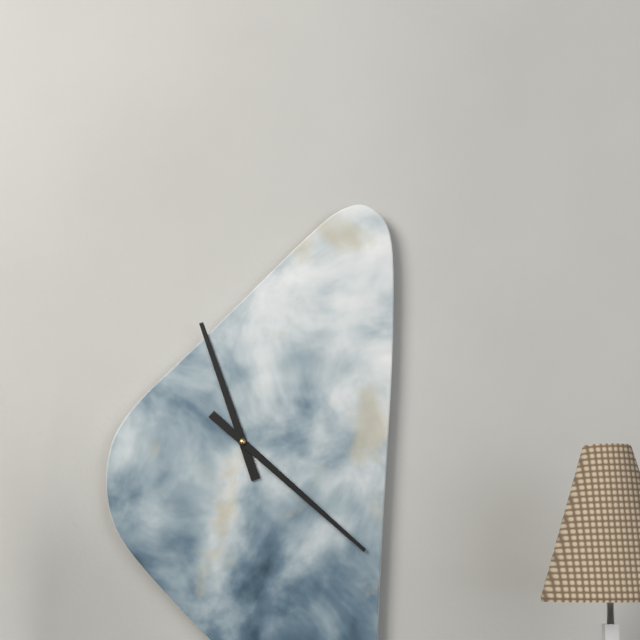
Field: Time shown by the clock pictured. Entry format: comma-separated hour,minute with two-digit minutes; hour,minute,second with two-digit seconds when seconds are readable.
11,22
